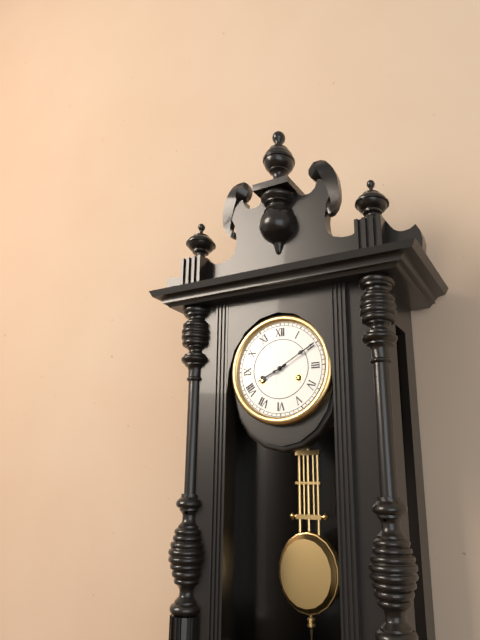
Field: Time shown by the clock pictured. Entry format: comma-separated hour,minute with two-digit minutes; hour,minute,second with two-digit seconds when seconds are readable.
8,10
